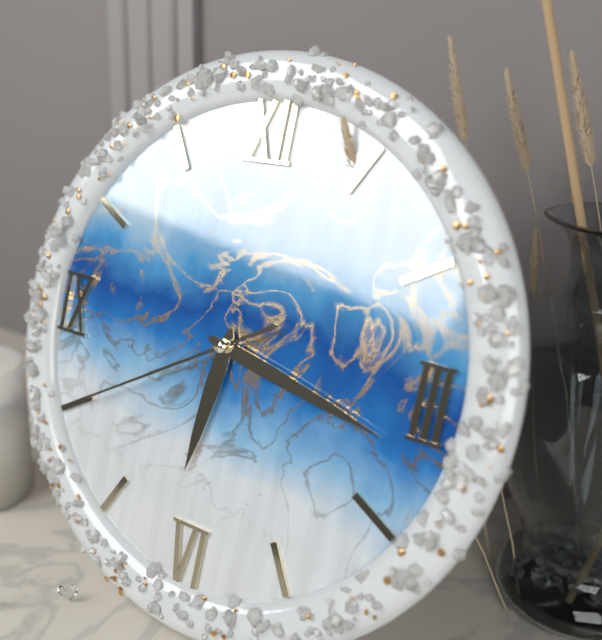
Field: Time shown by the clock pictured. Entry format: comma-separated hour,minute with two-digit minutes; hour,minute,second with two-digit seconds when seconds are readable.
6,17,40
